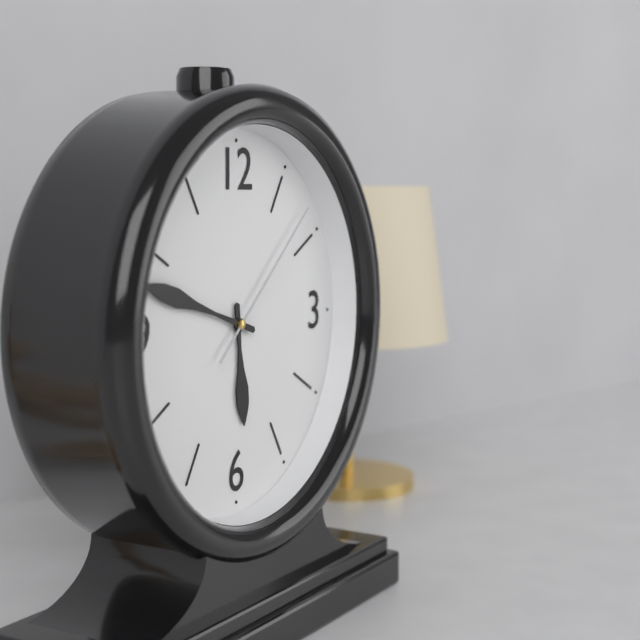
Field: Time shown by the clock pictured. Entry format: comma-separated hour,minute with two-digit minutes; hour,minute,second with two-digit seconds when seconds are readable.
5,48,08
